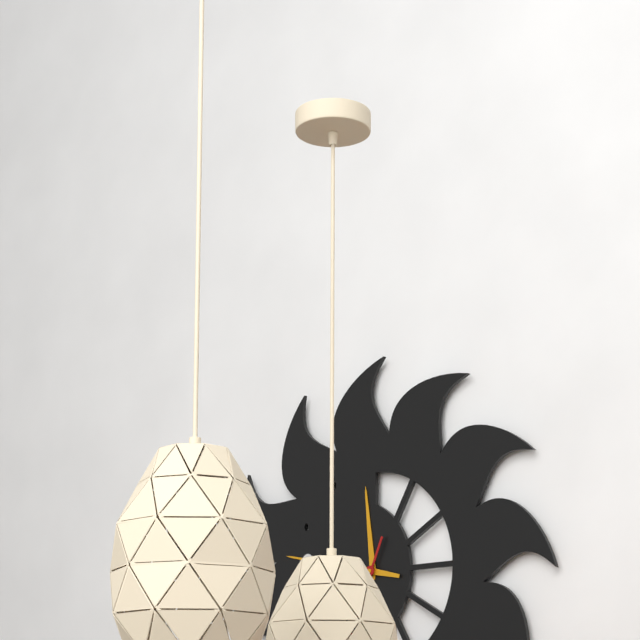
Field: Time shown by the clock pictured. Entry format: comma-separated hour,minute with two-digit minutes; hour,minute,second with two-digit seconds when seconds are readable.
11,47
